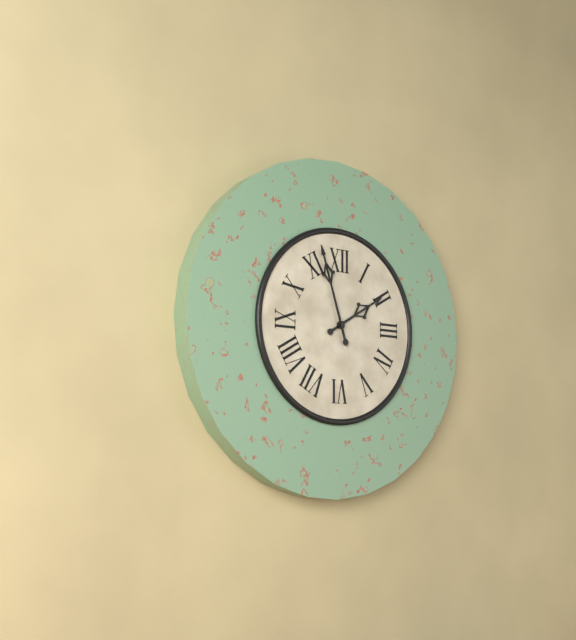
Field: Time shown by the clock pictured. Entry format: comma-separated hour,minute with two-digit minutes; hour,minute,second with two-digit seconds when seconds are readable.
1,57
